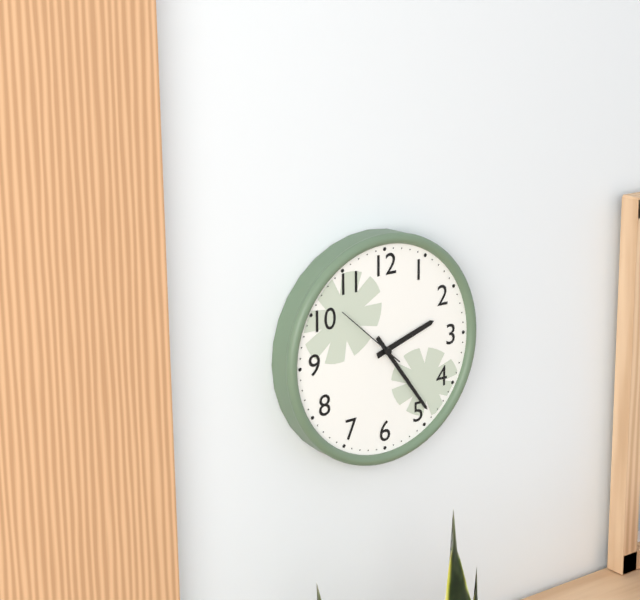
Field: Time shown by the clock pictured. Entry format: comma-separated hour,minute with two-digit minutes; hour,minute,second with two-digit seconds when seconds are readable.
2,24,52
